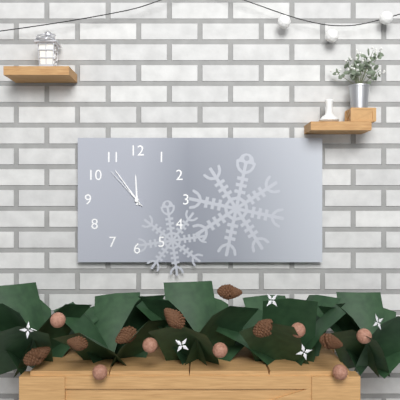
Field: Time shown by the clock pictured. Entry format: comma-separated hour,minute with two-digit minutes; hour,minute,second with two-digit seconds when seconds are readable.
11,54
